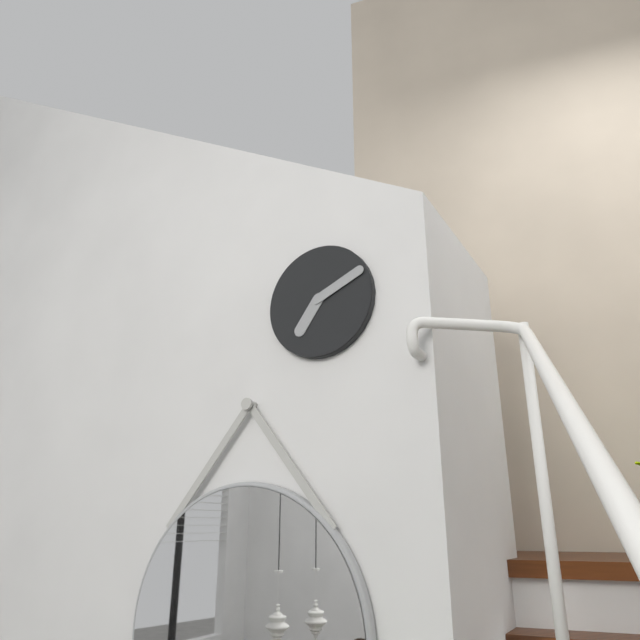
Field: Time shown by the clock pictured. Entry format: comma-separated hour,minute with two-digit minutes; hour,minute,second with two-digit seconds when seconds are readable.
7,11
